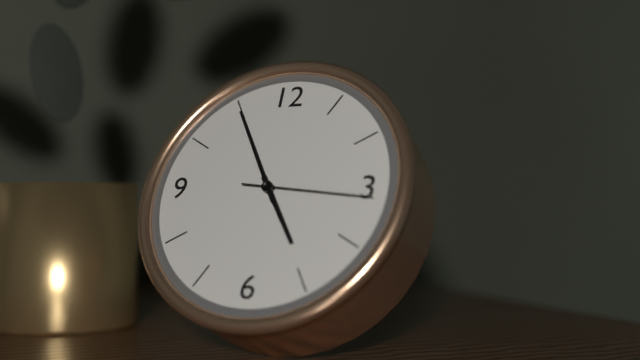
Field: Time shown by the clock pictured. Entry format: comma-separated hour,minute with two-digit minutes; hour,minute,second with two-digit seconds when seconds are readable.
4,55,16
